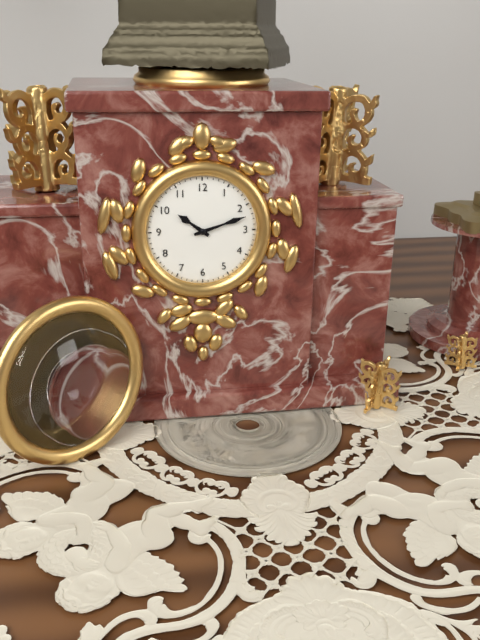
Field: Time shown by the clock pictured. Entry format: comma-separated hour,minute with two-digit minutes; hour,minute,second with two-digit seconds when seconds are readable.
10,12
